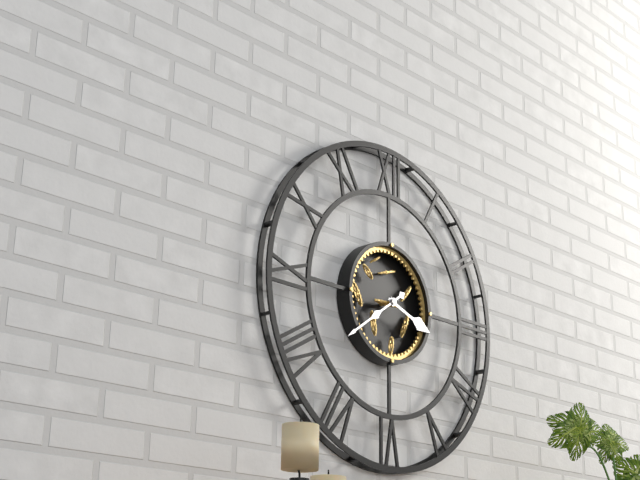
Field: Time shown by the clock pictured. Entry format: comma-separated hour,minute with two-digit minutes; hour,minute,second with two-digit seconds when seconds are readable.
3,39
